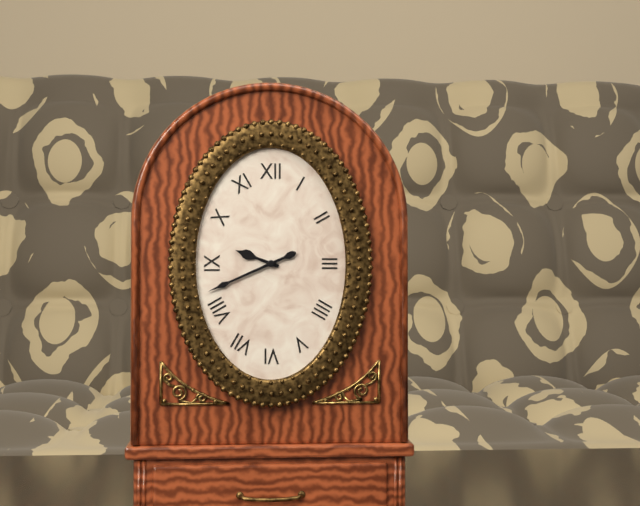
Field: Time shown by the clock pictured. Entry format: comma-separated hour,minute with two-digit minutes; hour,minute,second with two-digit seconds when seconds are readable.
9,41
